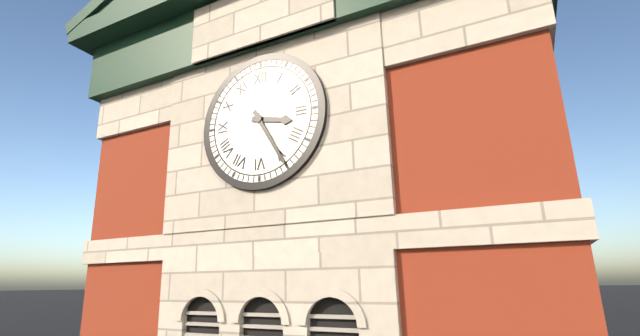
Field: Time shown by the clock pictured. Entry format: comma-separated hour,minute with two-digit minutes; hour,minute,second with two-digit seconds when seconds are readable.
3,25
